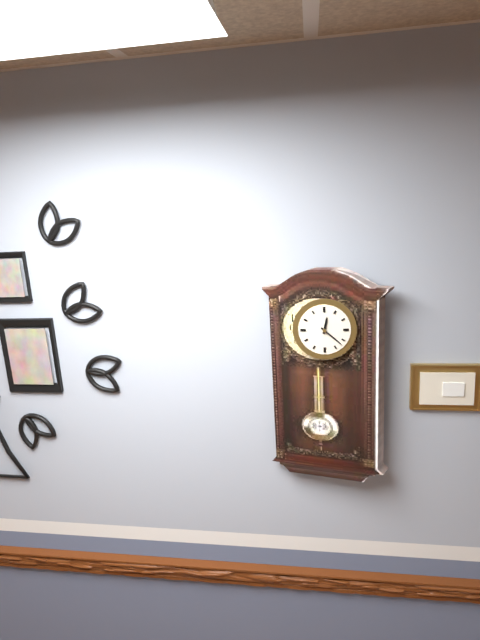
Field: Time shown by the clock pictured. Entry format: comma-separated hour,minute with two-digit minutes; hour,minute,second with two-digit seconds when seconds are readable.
12,22
